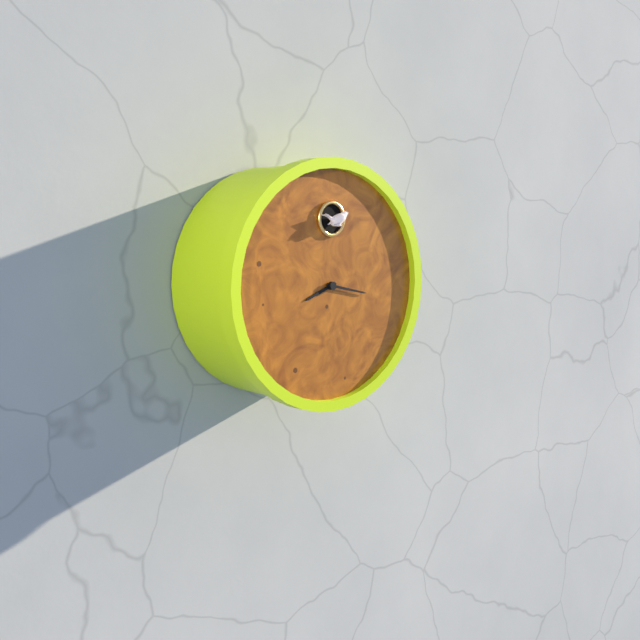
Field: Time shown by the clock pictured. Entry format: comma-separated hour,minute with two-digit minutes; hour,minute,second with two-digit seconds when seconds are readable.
8,17
